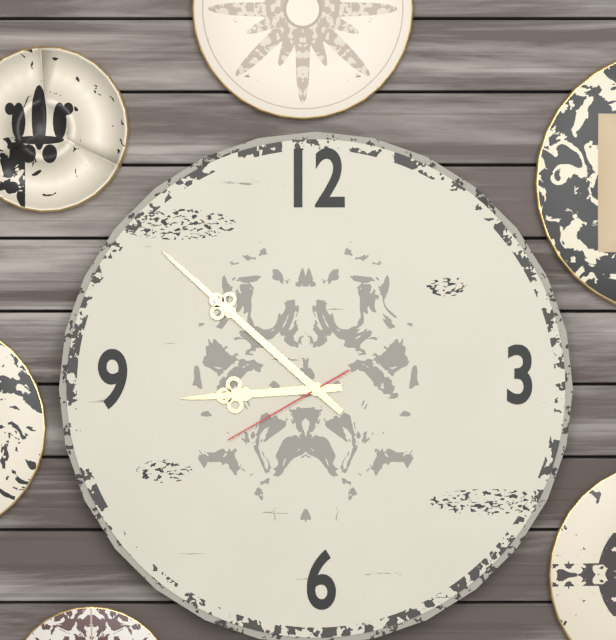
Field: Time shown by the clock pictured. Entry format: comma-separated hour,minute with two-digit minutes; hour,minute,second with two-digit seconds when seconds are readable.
8,52,40
